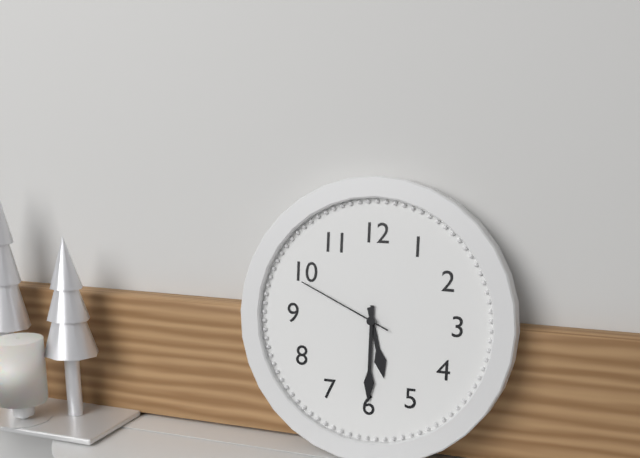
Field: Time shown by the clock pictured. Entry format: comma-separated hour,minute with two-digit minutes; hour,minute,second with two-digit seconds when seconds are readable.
5,30,49
